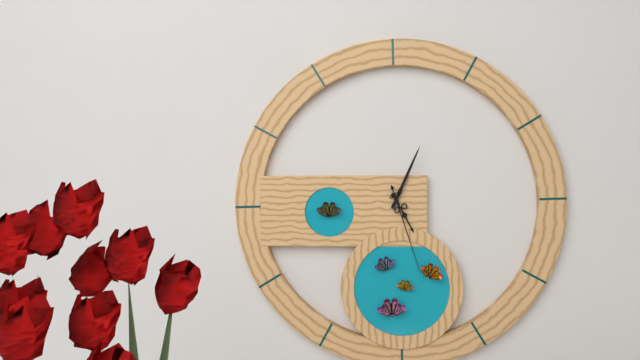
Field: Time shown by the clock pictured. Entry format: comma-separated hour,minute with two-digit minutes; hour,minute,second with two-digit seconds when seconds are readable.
5,04,27
